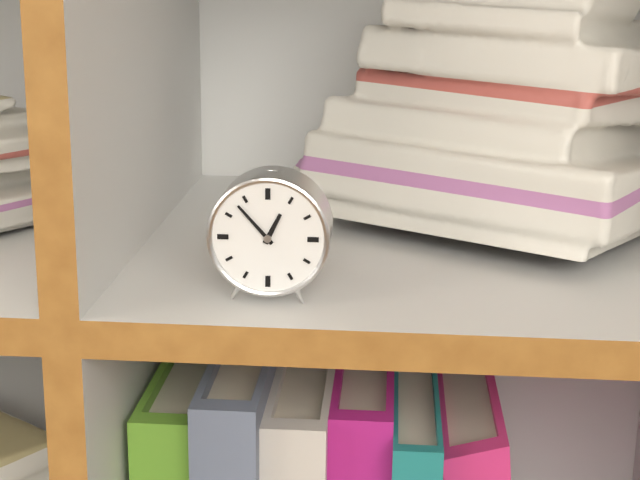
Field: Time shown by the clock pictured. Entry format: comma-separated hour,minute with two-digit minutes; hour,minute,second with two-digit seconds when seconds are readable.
12,53
